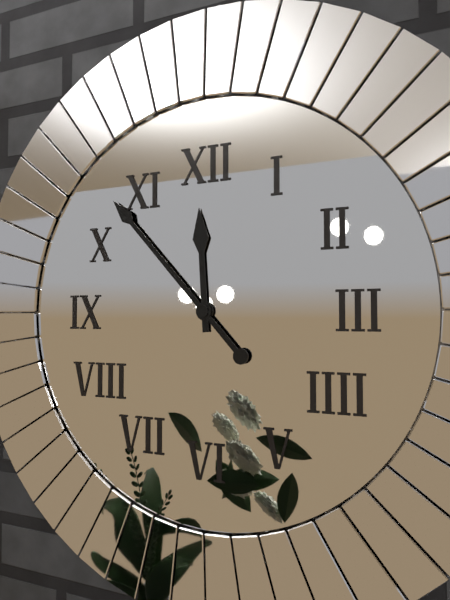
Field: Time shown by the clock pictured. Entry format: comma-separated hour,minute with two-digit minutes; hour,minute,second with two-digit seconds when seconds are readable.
11,53
